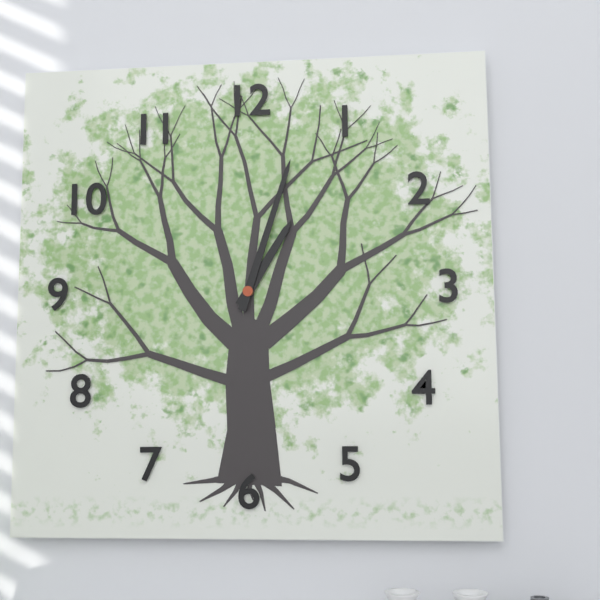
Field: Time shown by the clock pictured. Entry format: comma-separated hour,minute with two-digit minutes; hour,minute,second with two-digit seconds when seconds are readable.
1,03
